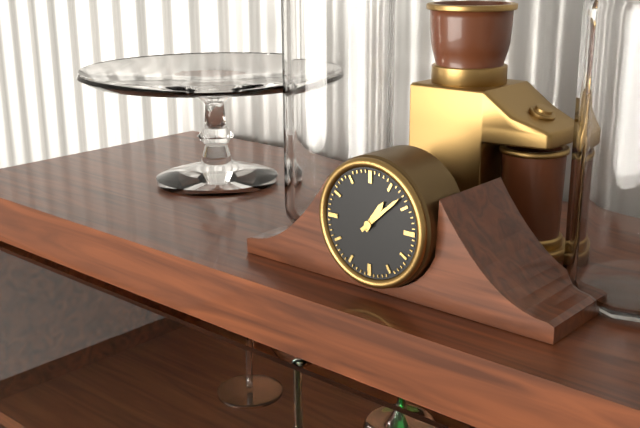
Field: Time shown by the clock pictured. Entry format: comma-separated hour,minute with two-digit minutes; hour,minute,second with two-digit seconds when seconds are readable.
1,08
